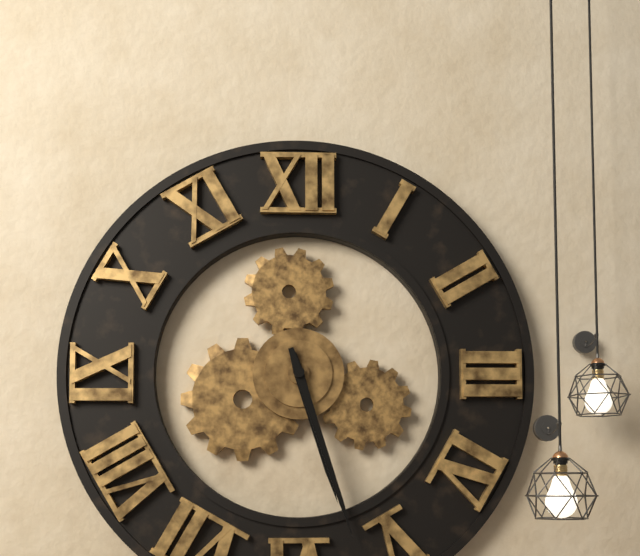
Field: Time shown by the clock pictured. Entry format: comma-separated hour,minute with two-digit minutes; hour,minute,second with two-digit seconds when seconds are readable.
5,27
